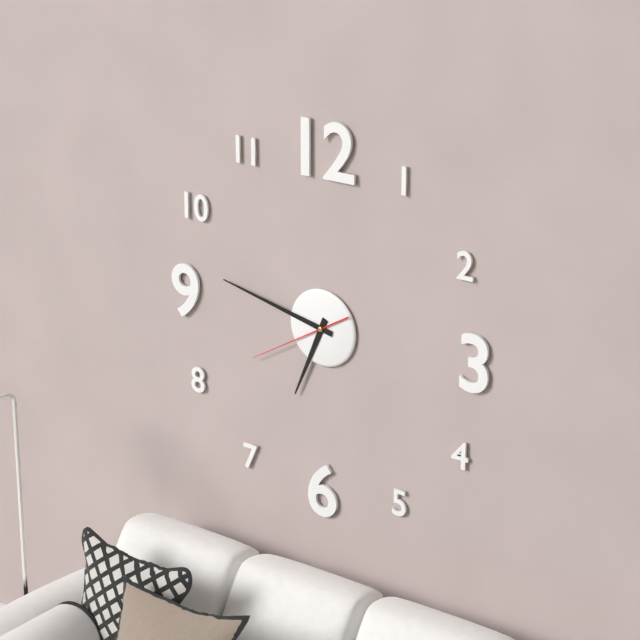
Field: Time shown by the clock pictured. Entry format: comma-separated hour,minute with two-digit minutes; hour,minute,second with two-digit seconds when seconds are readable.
6,47,40
